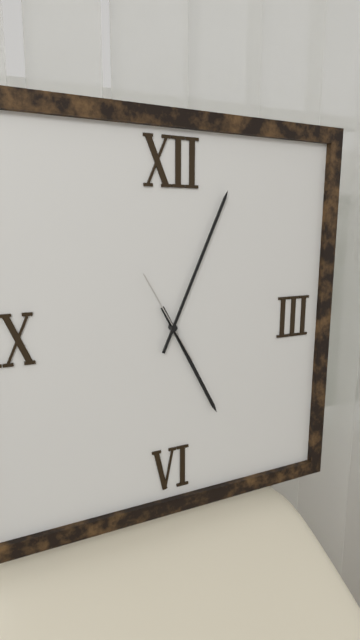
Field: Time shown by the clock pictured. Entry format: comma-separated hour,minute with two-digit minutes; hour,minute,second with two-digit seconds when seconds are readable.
5,04,55
